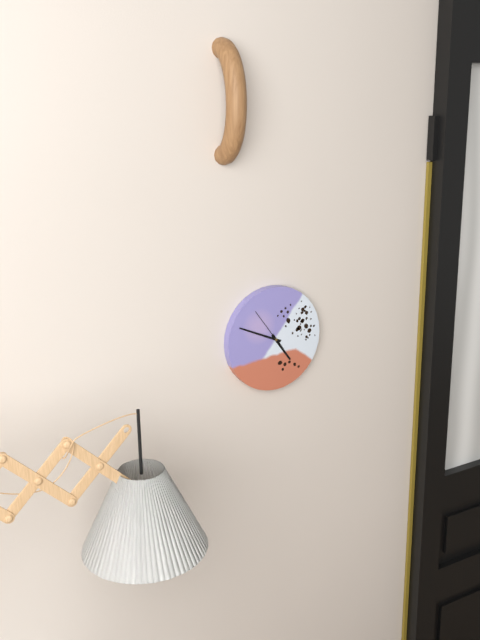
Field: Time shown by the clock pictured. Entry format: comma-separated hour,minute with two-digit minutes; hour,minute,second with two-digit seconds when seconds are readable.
4,49
